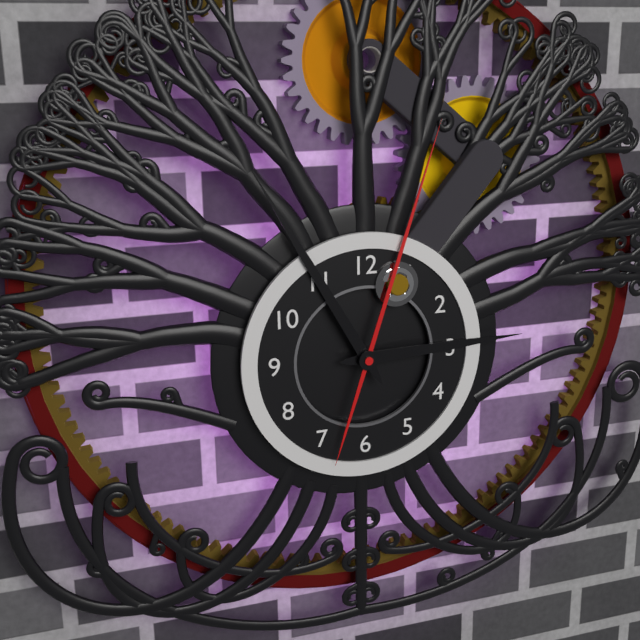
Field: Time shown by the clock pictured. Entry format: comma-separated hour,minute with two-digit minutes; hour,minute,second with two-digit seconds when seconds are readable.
2,55,03
